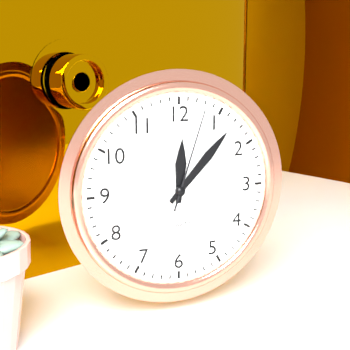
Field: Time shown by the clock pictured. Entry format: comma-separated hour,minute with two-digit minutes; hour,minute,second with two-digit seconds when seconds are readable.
12,07,03
